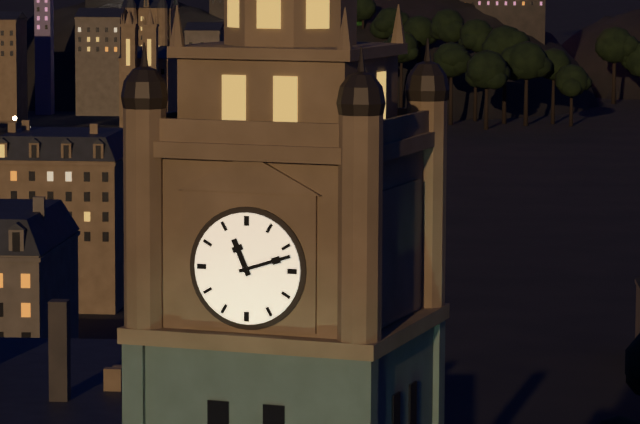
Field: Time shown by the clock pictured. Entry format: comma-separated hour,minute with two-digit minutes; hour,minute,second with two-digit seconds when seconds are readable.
11,12
